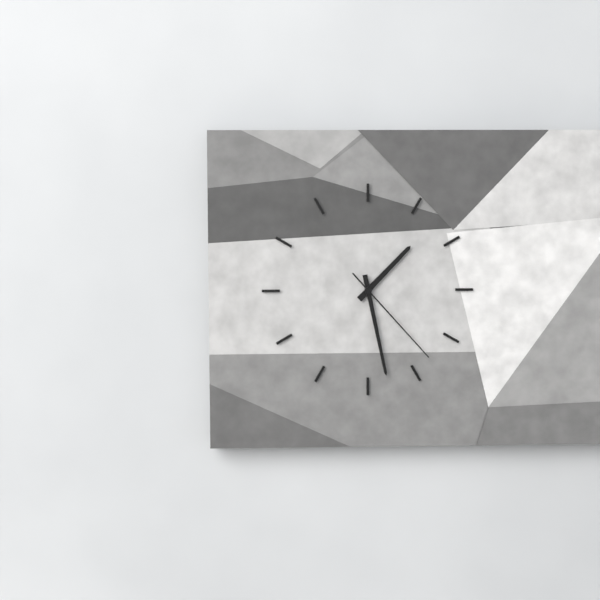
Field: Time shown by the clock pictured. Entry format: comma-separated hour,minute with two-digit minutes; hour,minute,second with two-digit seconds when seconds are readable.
1,28,23
